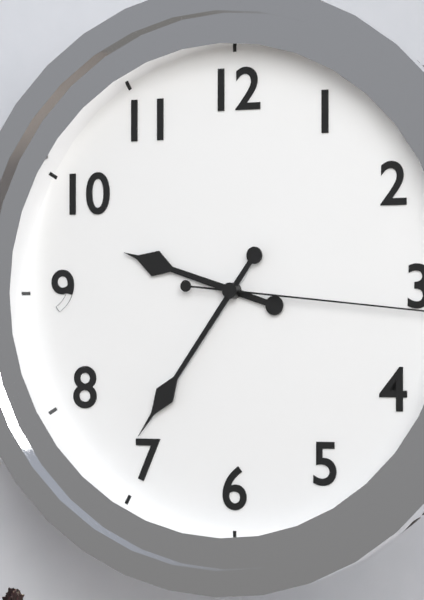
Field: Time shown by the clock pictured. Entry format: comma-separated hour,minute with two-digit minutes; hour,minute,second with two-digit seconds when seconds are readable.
9,36
